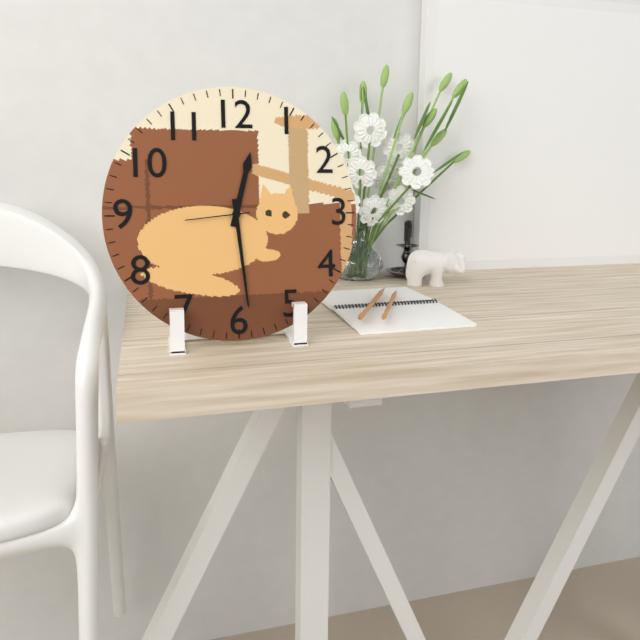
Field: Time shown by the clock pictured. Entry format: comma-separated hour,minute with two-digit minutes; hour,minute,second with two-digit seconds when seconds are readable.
12,29,44
